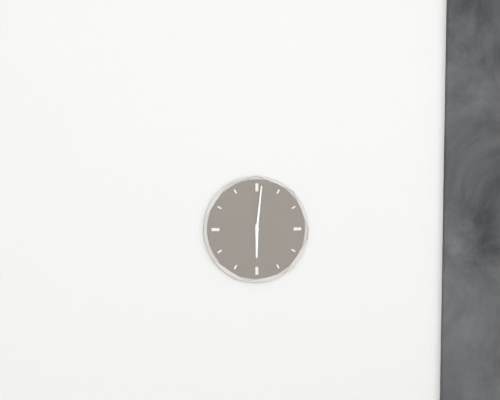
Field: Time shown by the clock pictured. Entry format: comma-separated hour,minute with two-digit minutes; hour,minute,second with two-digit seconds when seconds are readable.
6,01
